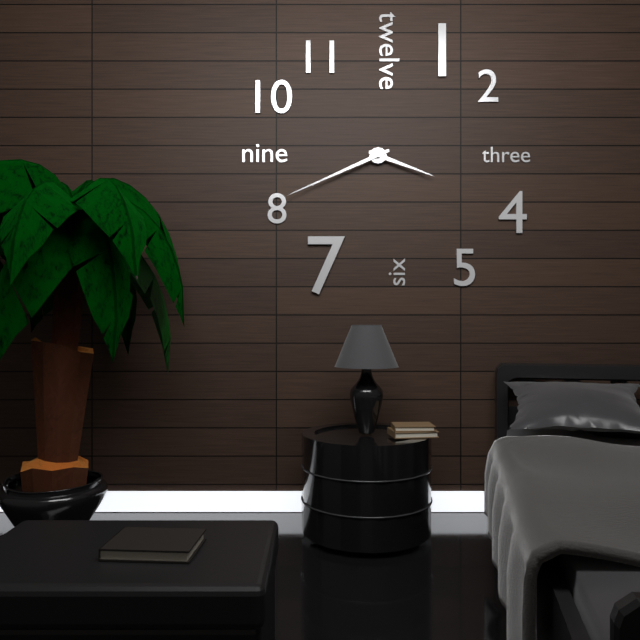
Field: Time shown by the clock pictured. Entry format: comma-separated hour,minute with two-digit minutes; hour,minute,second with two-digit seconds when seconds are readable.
3,41
